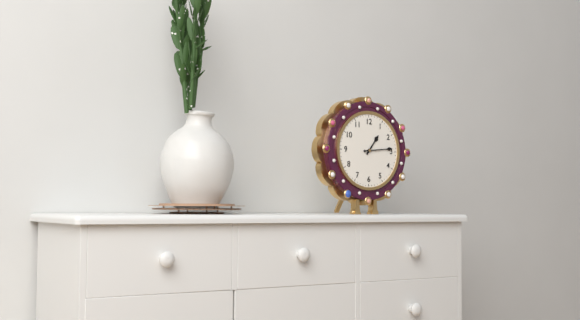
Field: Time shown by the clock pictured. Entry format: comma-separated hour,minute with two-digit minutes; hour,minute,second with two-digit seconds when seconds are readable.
1,14
